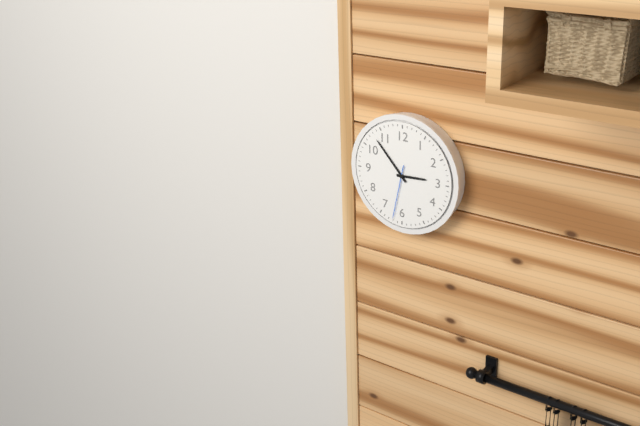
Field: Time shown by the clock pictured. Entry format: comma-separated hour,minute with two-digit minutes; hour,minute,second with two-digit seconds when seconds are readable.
2,53,32
